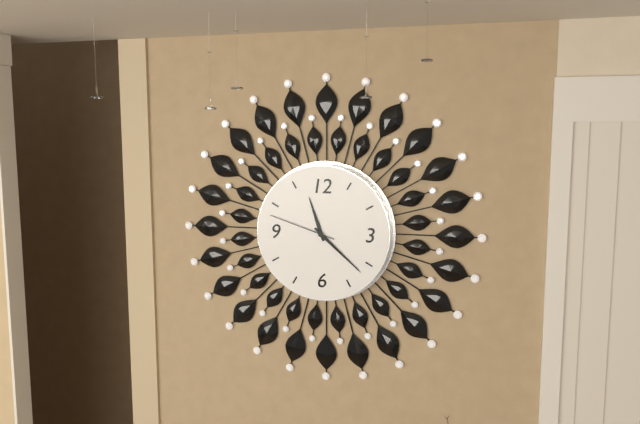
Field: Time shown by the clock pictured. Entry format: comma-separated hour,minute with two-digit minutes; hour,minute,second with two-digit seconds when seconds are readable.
11,22,48
